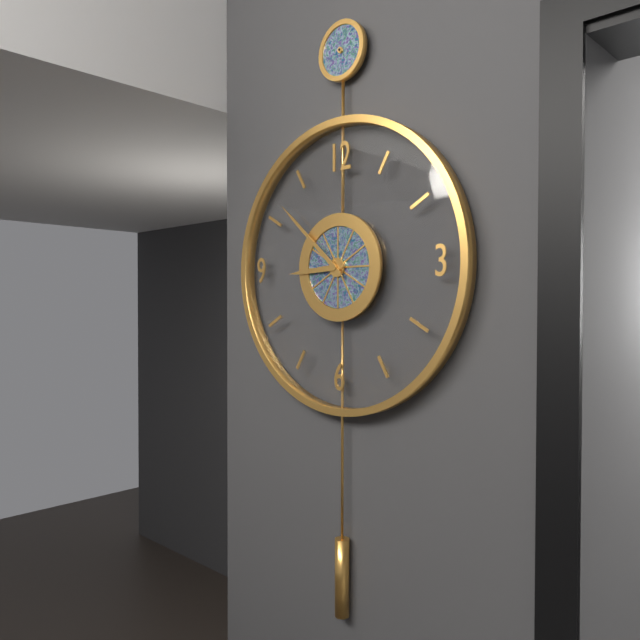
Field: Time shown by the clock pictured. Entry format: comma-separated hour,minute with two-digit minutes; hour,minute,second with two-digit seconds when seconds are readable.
8,52
